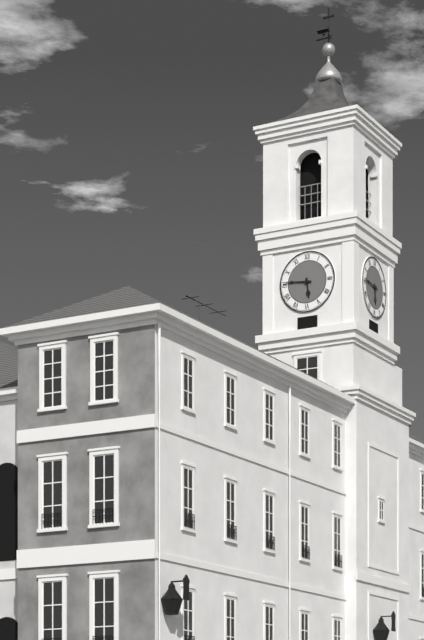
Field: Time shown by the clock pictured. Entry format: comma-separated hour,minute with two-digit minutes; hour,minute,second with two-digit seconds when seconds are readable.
5,46
